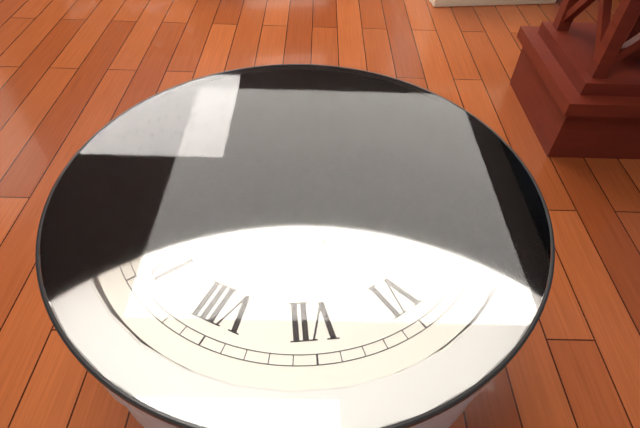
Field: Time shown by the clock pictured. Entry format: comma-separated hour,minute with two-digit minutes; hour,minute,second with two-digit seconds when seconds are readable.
6,27
